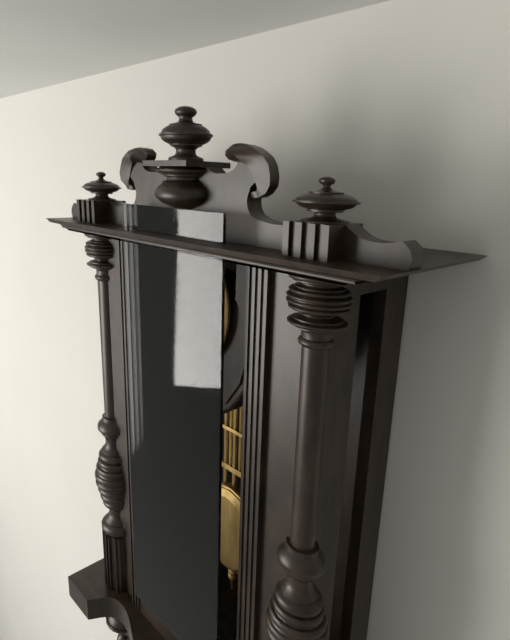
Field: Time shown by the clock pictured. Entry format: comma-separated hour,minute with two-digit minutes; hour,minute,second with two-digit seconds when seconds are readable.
10,19
